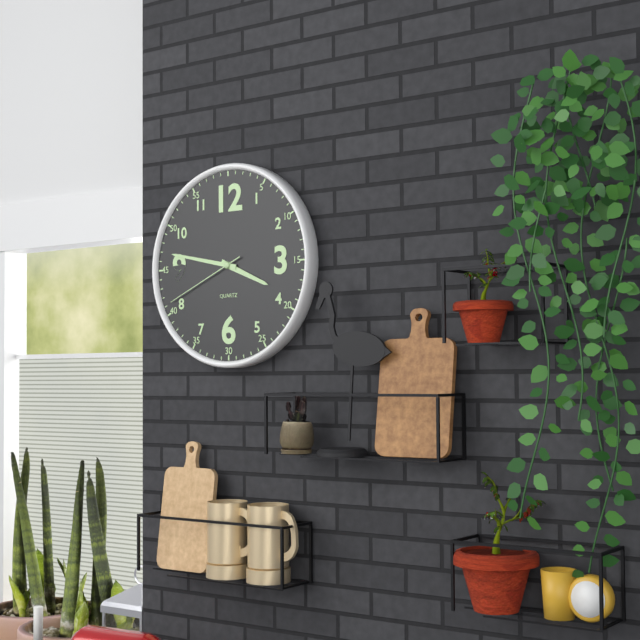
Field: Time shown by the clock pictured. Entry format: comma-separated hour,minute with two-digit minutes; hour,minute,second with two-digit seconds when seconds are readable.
3,47,41
